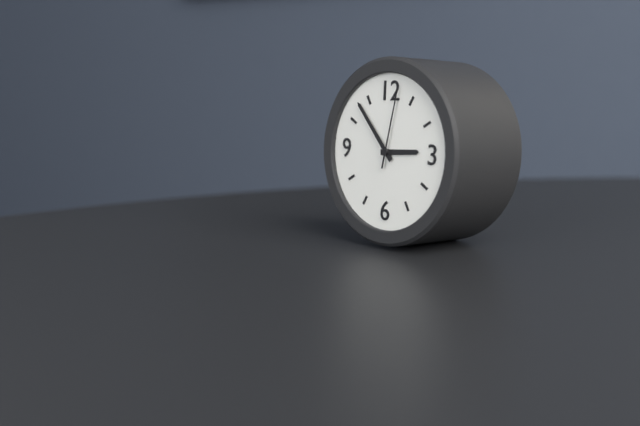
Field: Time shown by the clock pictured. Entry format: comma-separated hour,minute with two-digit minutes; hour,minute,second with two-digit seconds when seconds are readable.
2,53,02
